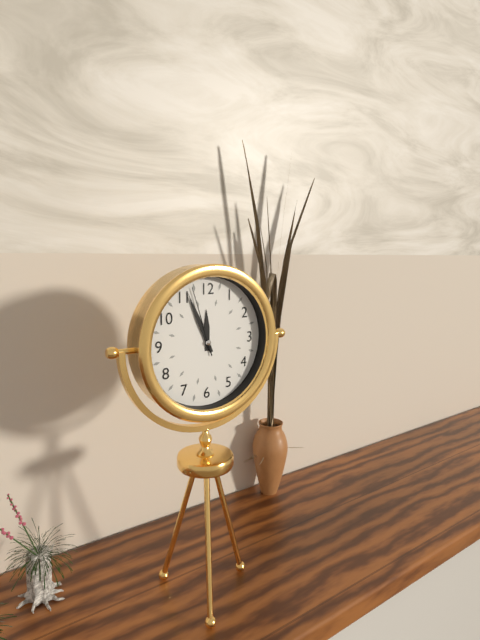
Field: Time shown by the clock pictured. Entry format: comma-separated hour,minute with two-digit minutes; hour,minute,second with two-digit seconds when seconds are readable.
11,56,57
